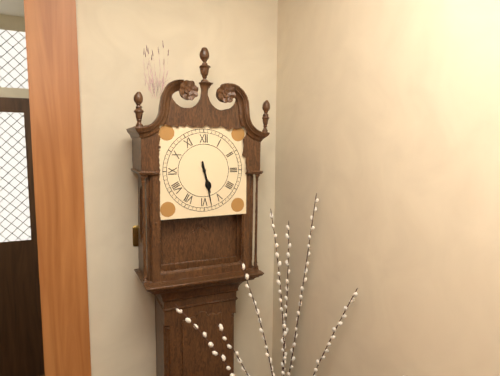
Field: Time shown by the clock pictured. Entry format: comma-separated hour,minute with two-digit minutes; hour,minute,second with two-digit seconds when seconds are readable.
5,28
